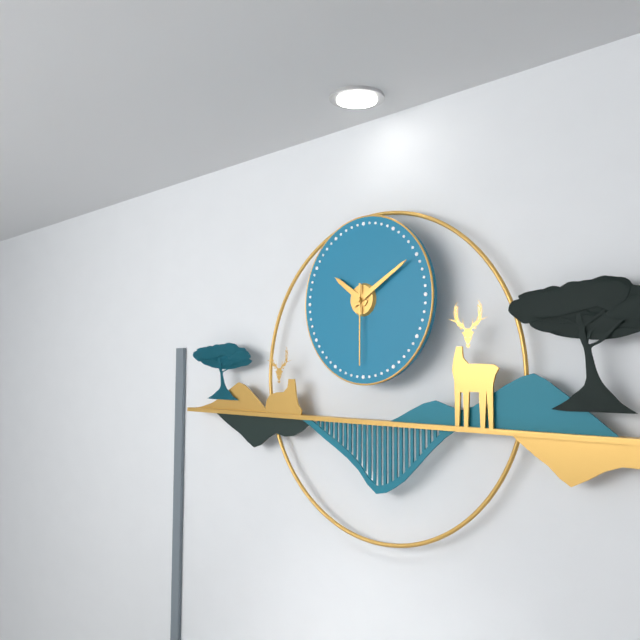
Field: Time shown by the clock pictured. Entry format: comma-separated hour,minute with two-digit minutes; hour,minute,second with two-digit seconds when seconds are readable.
10,10,30
